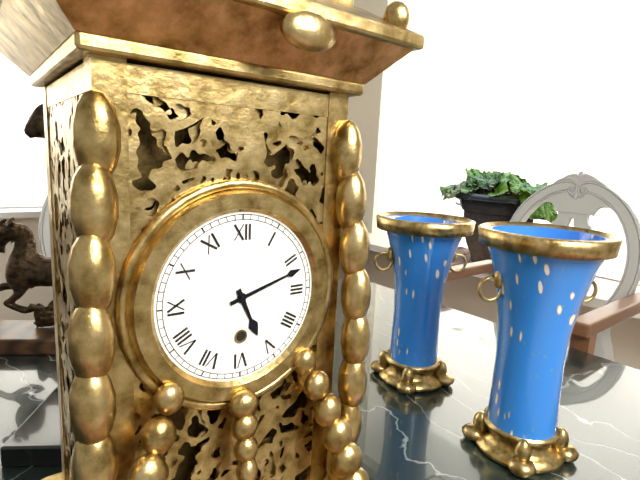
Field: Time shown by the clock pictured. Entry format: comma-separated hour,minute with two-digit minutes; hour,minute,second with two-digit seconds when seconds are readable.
5,12
